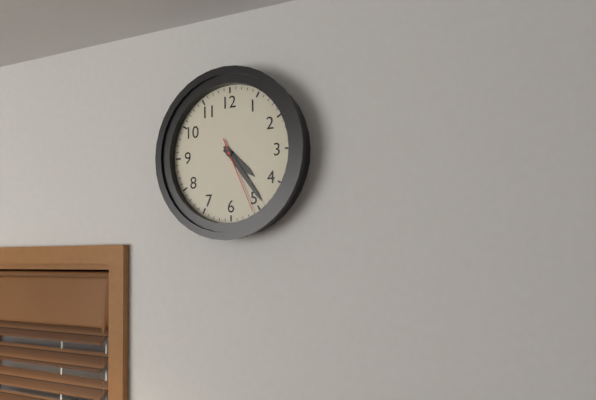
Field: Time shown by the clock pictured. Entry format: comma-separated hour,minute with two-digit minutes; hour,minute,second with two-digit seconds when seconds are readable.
4,24,26
